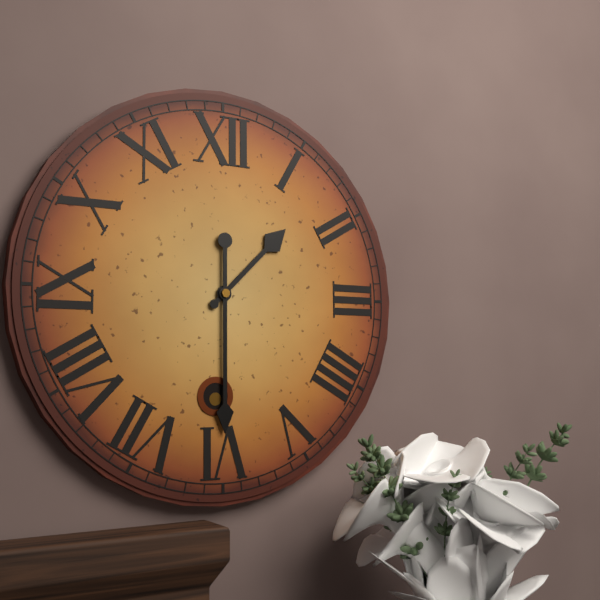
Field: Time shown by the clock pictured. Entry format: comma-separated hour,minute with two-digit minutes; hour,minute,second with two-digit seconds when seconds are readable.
1,30
